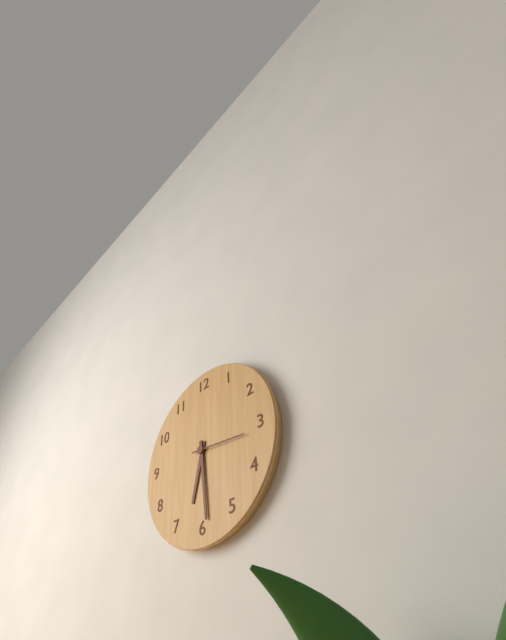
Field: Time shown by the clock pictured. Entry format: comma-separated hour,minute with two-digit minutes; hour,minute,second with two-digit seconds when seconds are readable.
6,29,16
